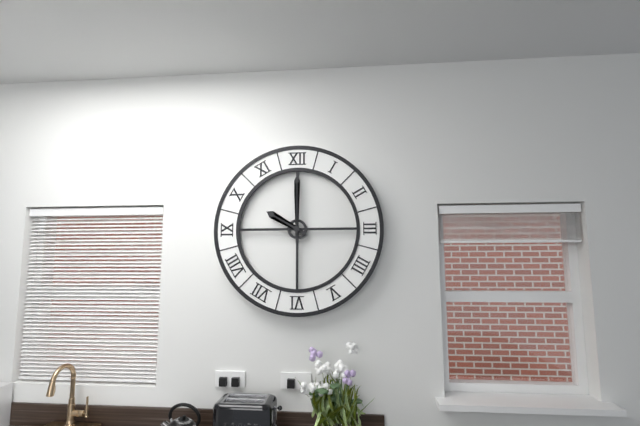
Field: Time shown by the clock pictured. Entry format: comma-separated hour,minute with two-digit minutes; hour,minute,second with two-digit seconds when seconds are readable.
10,00
